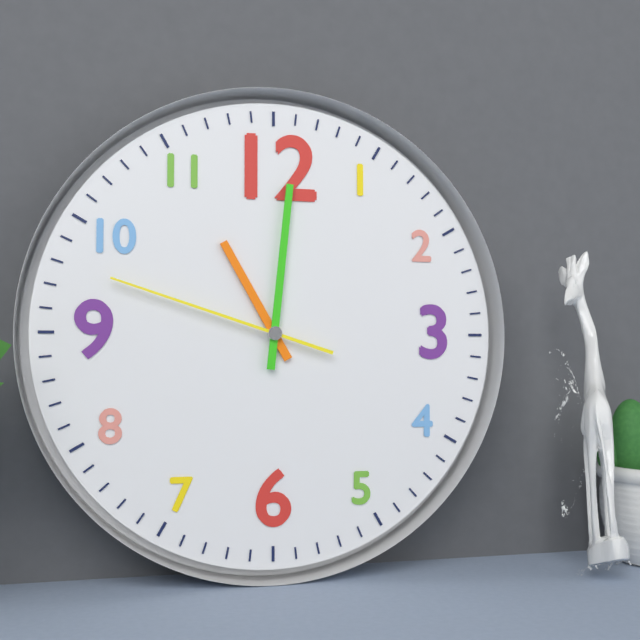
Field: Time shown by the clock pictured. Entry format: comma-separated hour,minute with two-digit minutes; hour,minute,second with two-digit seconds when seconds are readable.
11,01,48
